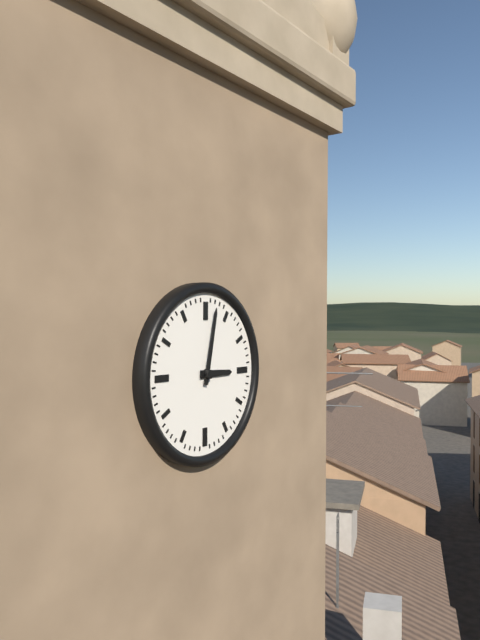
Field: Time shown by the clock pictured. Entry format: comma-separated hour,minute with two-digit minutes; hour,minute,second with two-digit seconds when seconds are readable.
3,02
